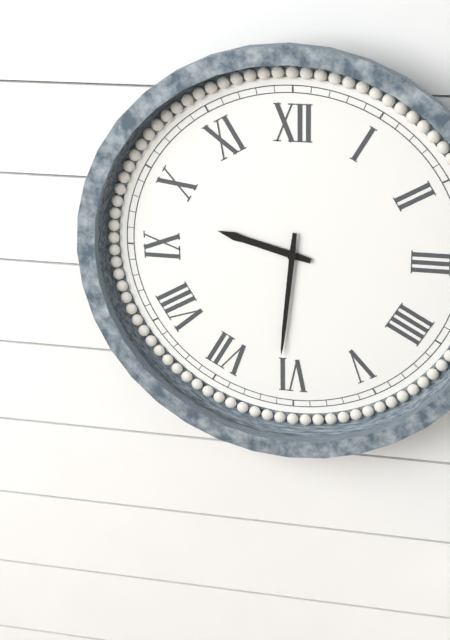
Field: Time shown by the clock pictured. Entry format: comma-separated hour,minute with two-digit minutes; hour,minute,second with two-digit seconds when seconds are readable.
9,31
